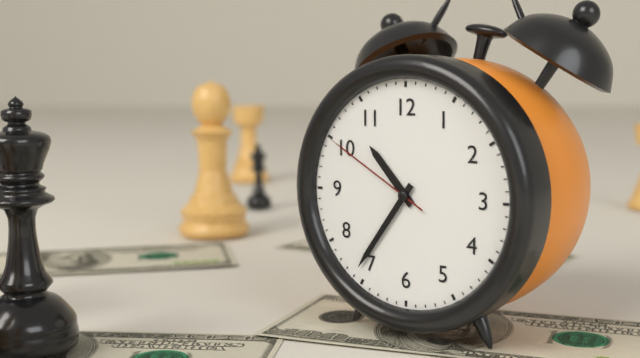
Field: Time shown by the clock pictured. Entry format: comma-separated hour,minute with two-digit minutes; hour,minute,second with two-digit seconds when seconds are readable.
10,36,50
